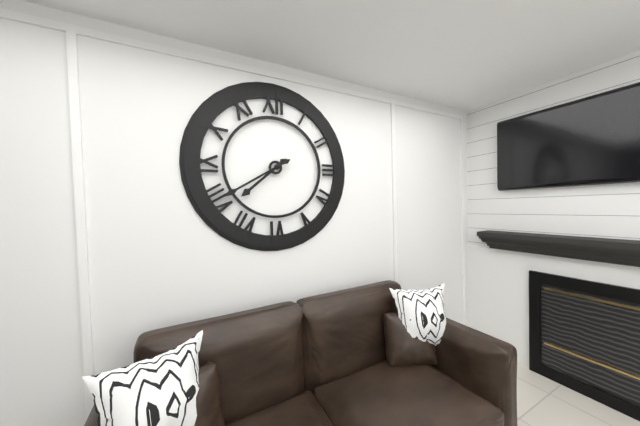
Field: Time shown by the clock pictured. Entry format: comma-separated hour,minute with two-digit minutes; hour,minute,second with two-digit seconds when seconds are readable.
7,40
